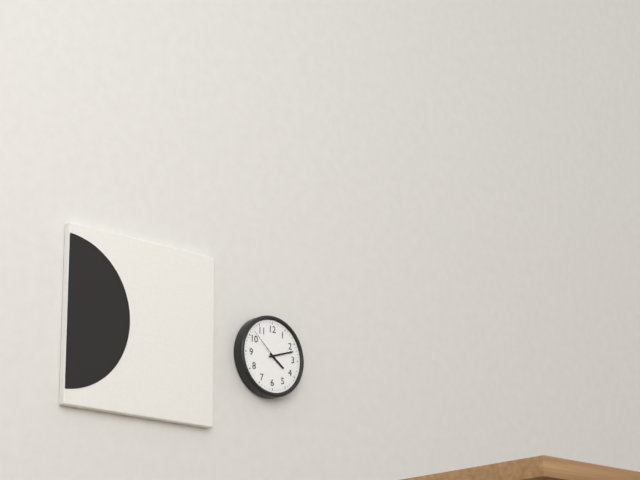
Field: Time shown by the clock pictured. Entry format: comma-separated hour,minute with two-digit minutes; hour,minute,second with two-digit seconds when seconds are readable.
4,12
